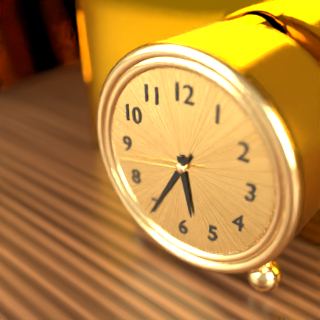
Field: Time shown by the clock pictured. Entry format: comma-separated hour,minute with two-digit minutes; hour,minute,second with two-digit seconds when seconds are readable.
5,35,43
